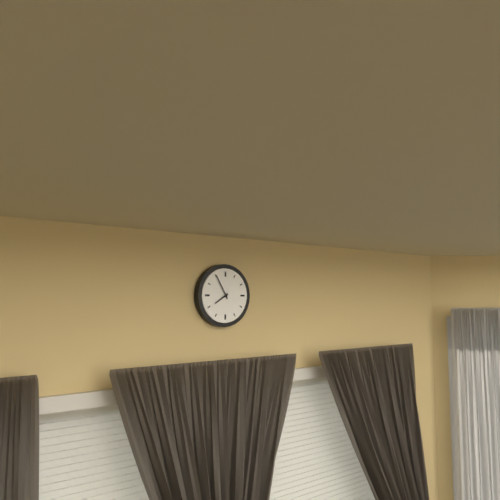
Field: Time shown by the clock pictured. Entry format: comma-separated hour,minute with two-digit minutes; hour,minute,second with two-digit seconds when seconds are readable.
7,55
